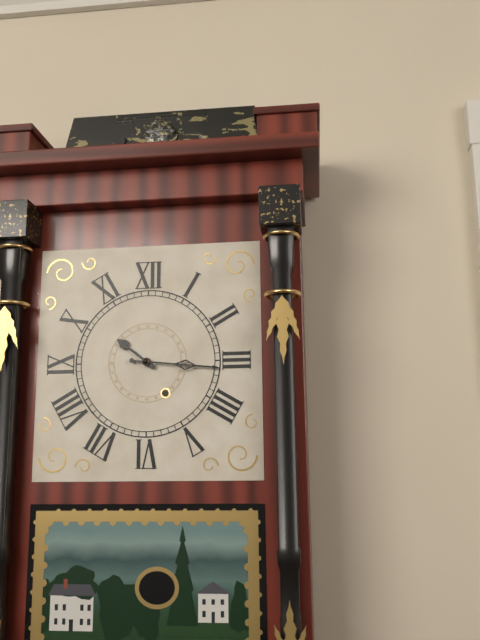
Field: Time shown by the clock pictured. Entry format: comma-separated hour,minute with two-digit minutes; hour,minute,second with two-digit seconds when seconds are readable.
10,16
